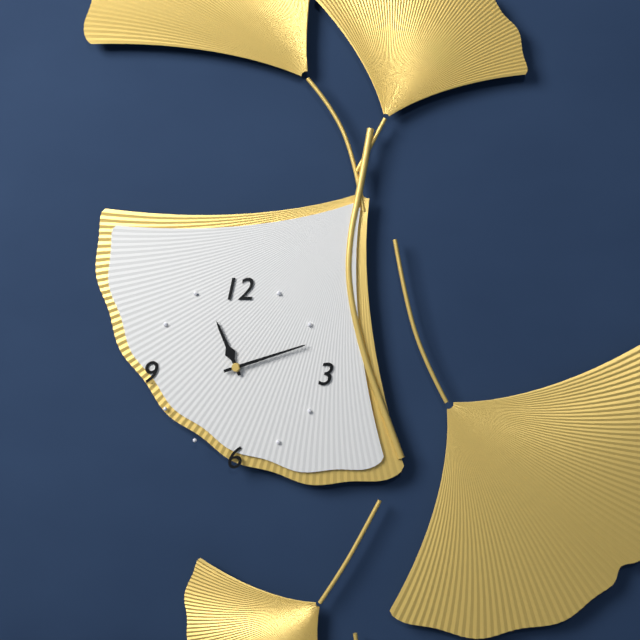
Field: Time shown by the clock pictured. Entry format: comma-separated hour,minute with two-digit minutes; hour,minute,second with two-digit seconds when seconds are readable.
11,12
